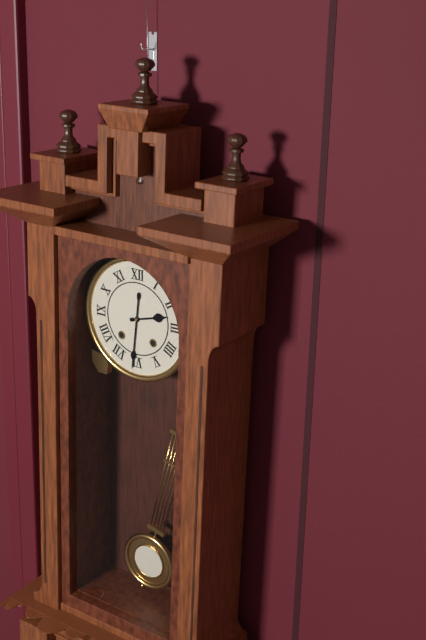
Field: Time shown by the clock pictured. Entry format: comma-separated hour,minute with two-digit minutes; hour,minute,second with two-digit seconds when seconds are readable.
2,31
